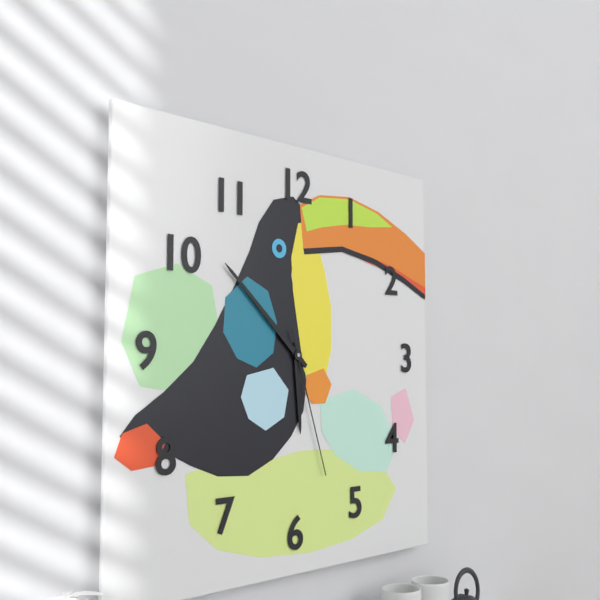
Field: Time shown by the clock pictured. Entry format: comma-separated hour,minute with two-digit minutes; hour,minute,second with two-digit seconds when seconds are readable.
5,52,27
